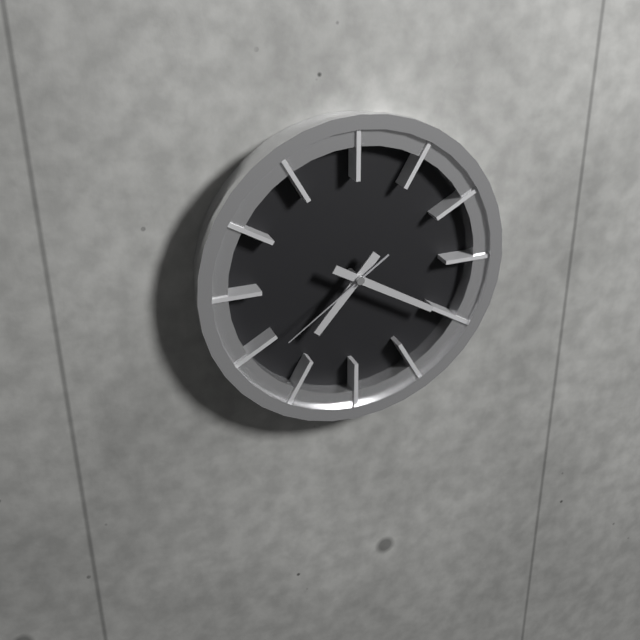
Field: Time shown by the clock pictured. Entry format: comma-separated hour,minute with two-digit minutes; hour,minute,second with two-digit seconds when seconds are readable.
7,20,39
